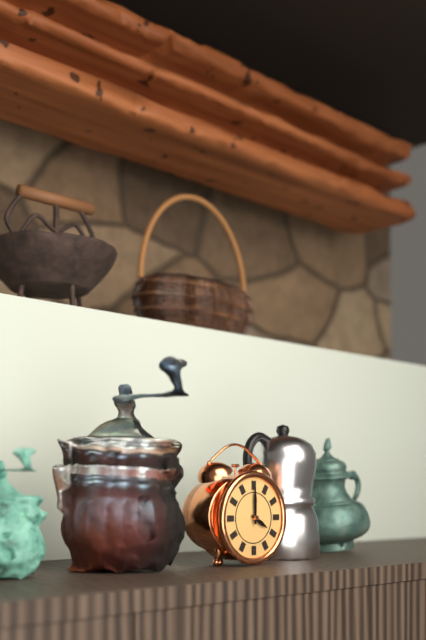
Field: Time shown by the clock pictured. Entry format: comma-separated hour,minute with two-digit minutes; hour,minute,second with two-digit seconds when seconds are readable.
4,00
